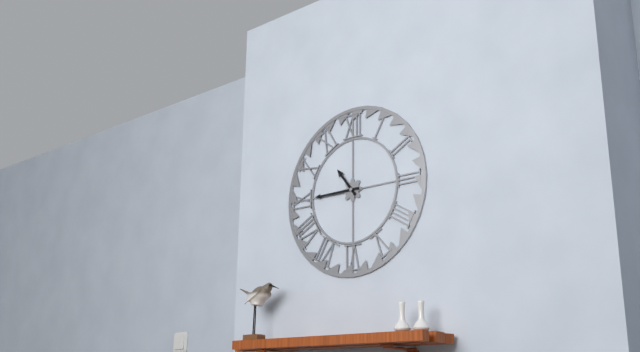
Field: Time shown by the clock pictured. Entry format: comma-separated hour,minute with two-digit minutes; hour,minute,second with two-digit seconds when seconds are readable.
10,45
